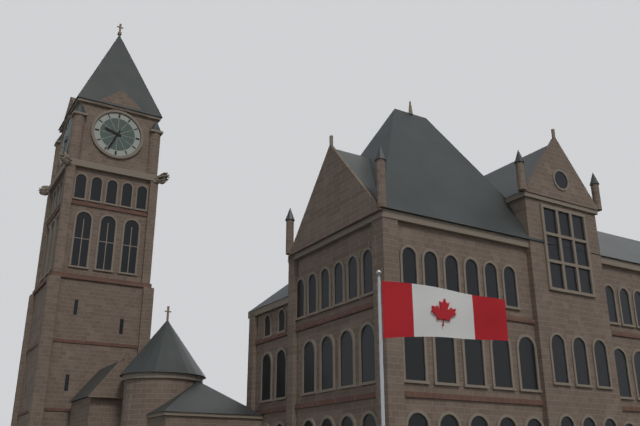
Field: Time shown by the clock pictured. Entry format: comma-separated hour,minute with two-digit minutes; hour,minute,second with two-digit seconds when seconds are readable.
9,34
